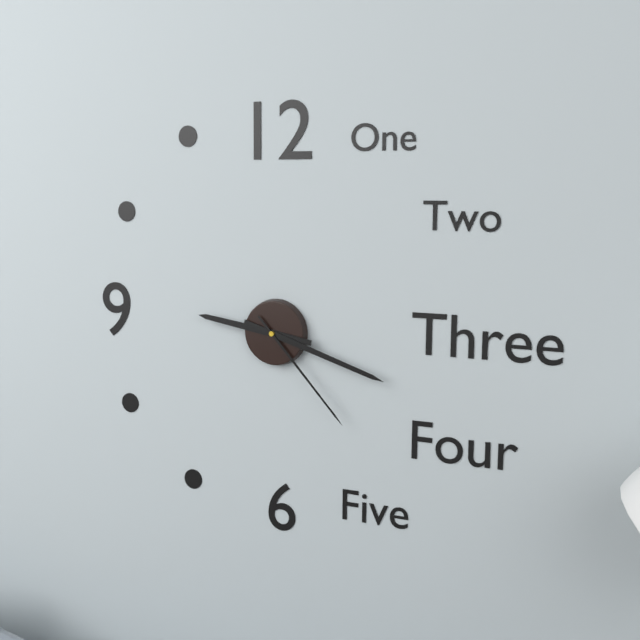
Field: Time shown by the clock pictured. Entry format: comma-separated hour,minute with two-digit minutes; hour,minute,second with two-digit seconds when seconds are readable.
9,18,23
